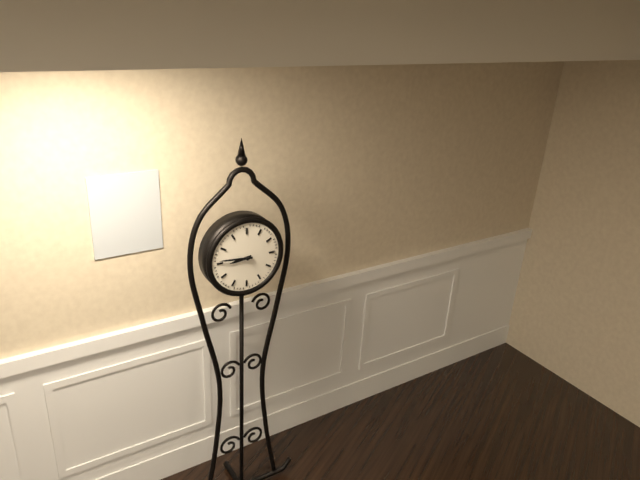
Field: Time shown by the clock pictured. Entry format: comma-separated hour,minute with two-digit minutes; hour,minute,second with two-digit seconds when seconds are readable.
8,46
